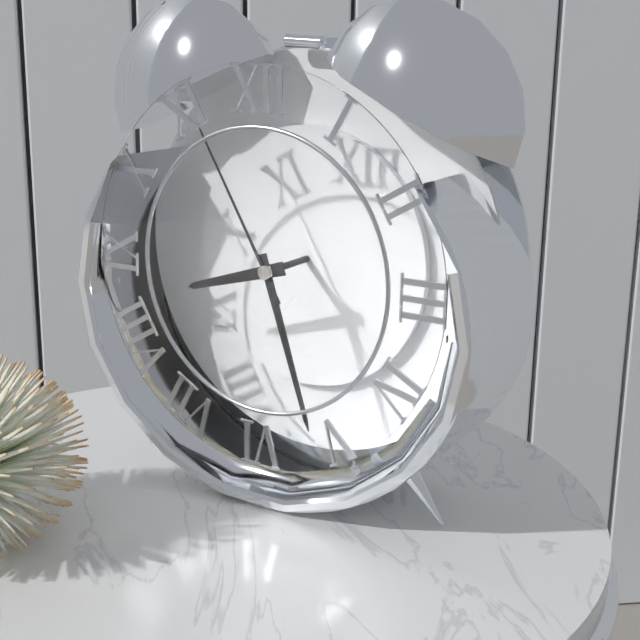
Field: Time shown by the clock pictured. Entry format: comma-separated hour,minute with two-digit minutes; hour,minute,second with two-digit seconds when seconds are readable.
8,27,55
